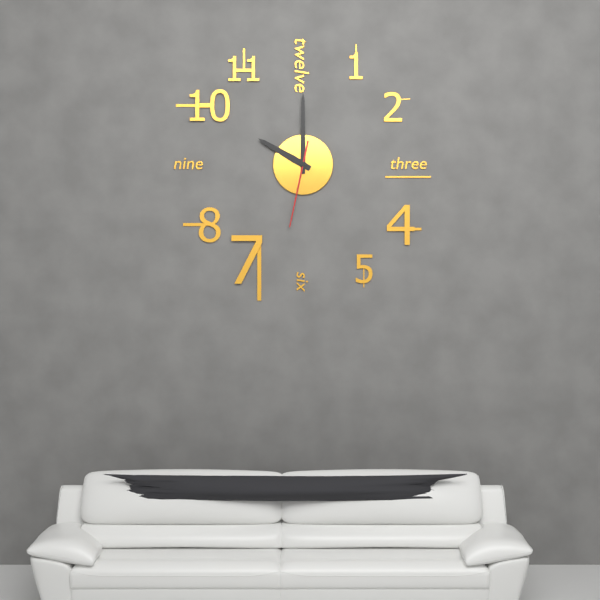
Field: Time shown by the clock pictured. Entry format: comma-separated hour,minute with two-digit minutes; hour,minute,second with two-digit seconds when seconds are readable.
10,00,32
